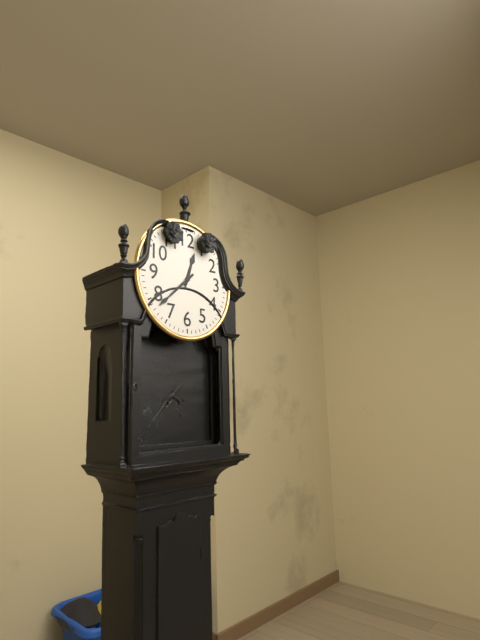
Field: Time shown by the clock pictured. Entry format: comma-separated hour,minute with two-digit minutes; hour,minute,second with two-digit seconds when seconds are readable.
12,38
